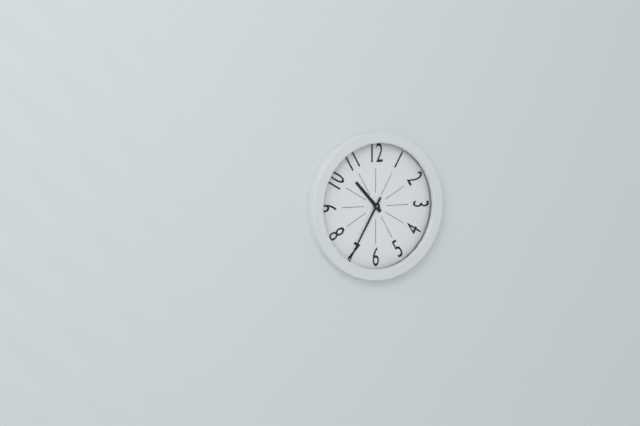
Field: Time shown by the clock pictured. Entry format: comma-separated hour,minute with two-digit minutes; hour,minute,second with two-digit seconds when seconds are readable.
10,35
